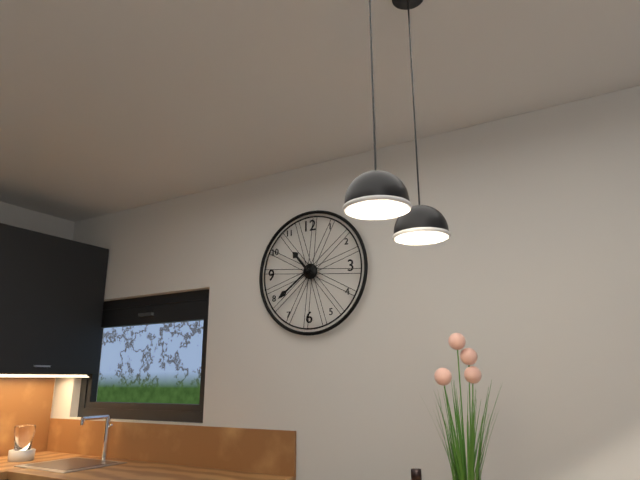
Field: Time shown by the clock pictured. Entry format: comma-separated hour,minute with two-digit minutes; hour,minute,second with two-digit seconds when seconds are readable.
10,39
